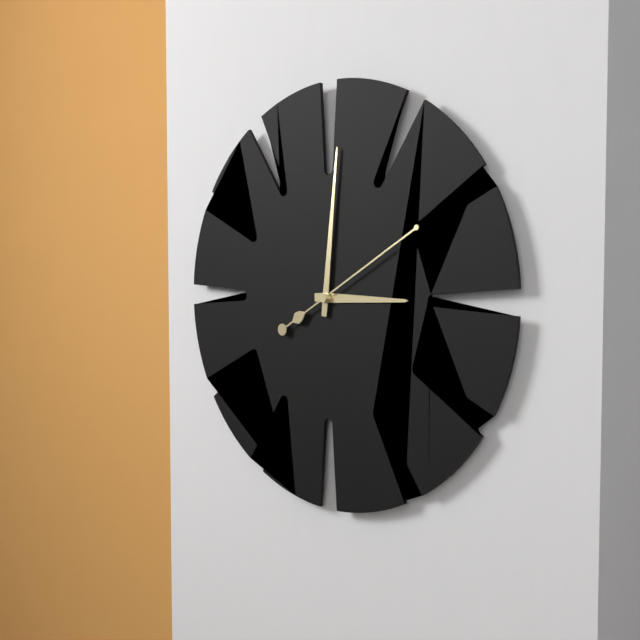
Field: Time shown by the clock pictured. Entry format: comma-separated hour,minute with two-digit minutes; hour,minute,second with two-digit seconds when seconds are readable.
3,01,10
